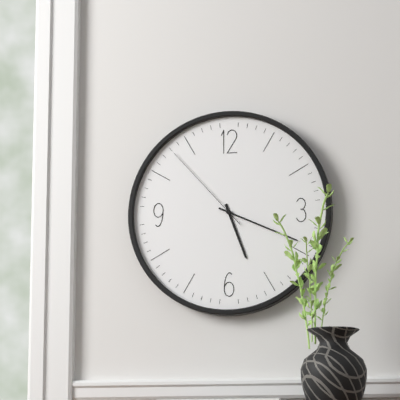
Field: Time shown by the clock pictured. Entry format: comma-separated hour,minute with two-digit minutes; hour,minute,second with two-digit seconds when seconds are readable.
5,19,53
